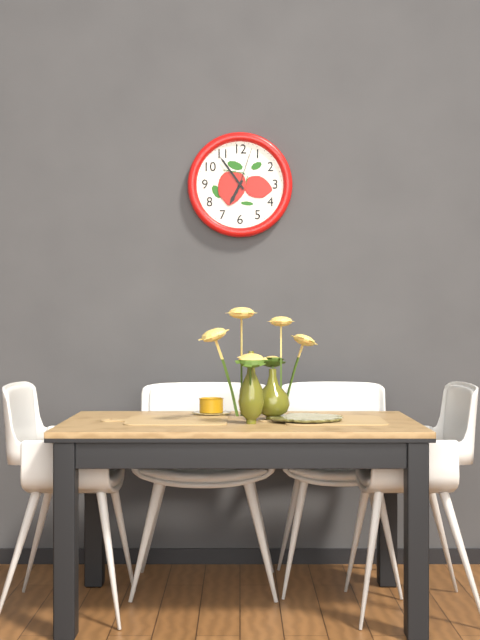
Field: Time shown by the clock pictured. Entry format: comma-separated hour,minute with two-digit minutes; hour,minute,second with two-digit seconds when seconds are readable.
6,54
